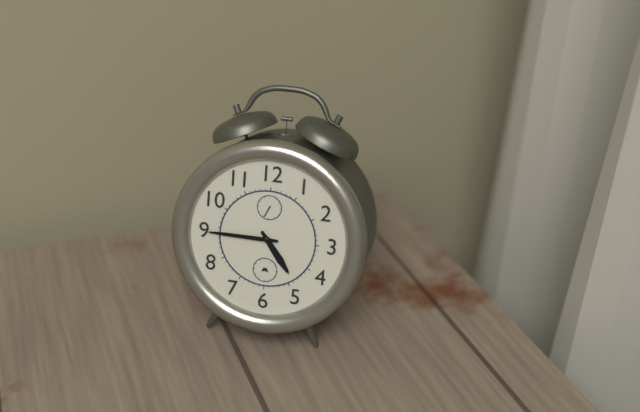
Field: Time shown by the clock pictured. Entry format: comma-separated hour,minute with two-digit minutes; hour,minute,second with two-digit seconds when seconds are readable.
4,45
